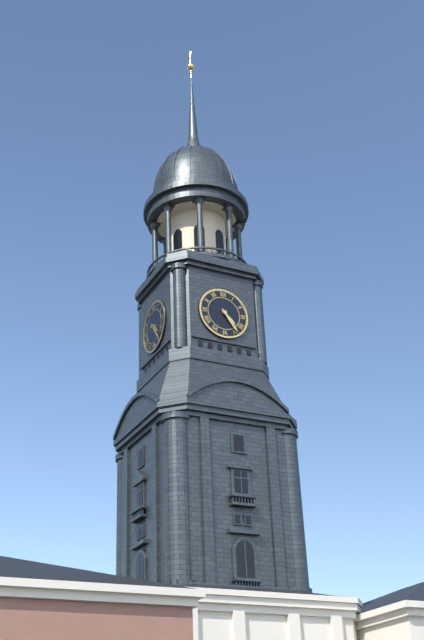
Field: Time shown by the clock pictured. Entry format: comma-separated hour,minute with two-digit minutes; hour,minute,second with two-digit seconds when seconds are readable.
4,24
